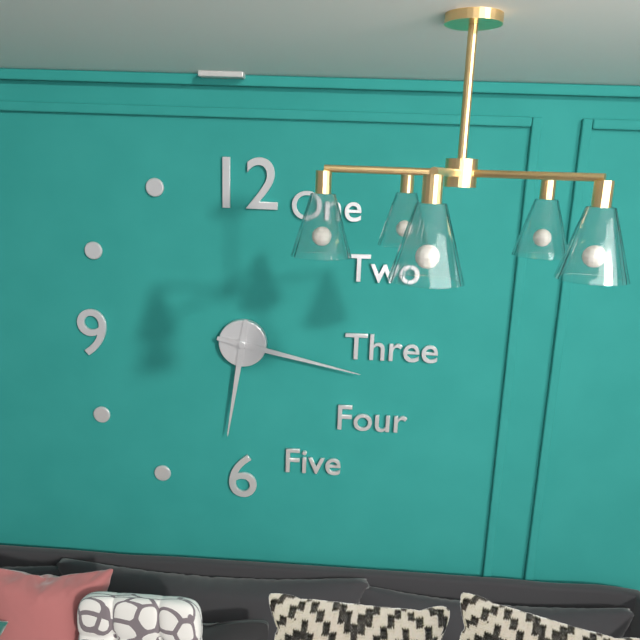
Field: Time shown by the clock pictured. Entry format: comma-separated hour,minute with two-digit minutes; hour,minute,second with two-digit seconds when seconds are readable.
6,17
